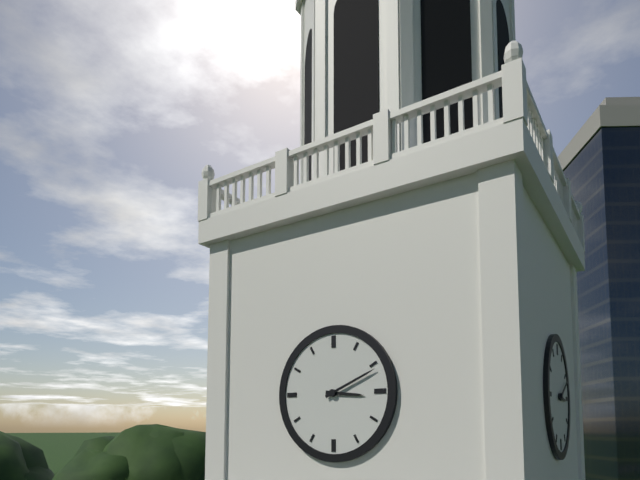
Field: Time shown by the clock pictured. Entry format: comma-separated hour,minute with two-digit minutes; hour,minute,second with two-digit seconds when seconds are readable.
3,11
